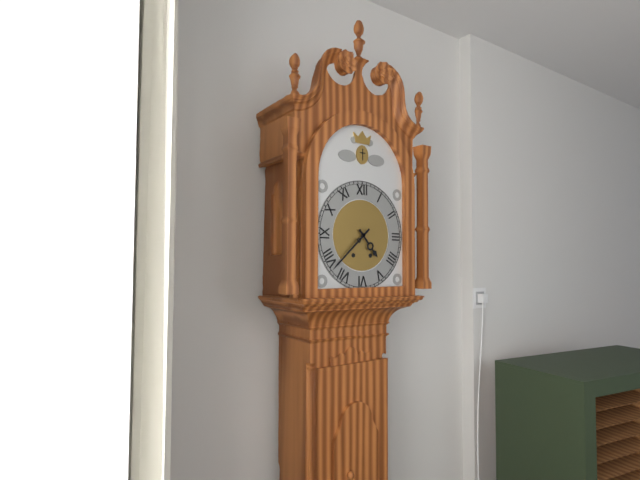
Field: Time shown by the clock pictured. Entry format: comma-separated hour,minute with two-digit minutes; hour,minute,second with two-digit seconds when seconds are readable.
4,38
